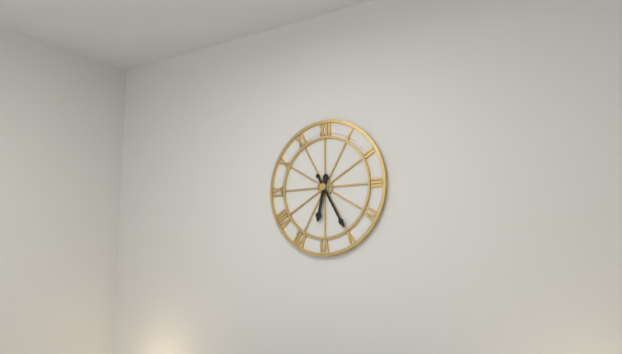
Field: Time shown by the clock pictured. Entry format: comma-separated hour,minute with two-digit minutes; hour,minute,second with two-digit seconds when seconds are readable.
6,25
